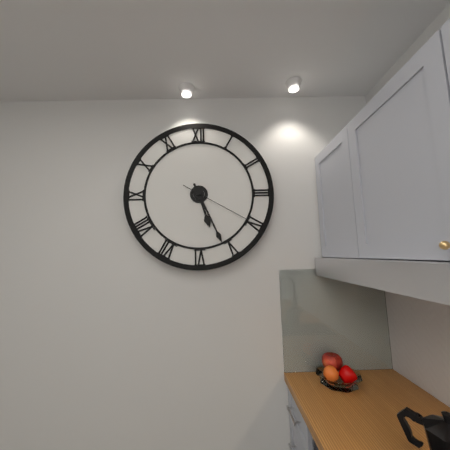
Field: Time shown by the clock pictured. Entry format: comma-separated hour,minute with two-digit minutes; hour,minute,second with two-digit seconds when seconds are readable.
5,26,20
